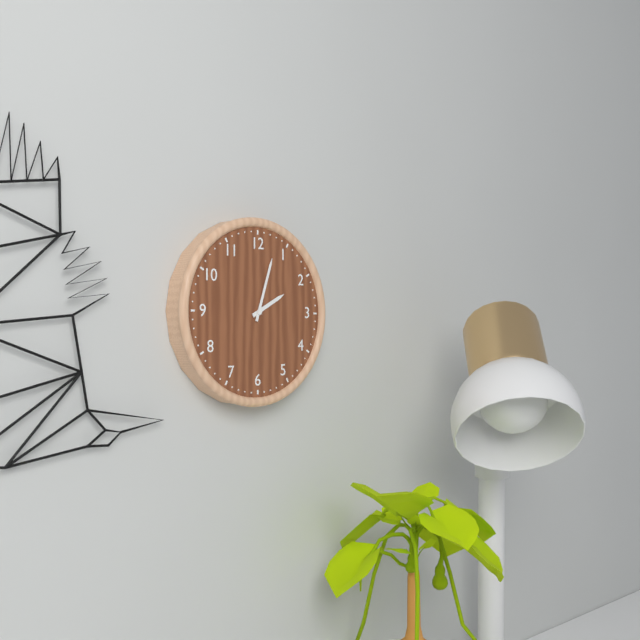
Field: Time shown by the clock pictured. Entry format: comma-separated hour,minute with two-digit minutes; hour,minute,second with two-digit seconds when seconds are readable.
2,03
